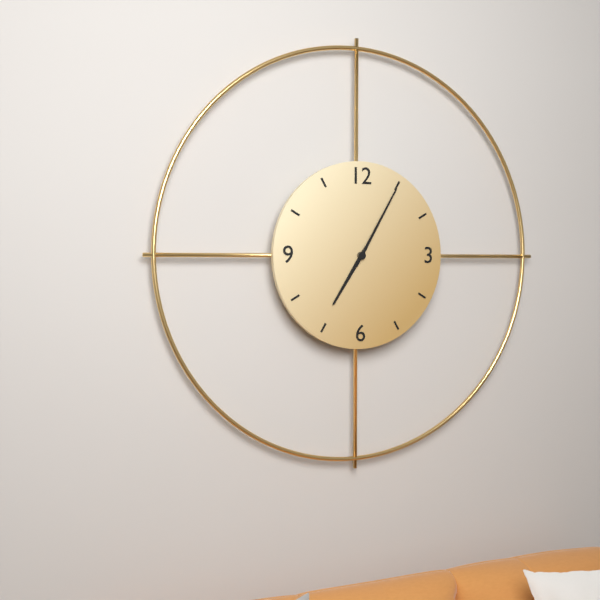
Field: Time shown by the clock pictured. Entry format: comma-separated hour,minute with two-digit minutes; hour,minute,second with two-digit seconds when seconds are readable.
7,05
